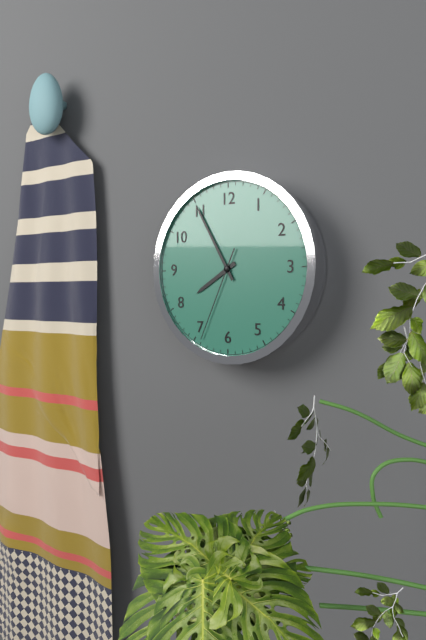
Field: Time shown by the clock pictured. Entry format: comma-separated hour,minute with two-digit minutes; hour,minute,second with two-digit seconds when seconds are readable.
7,55,34
